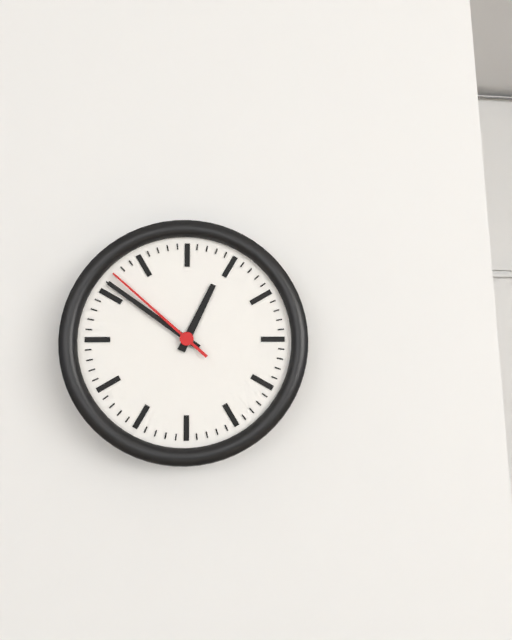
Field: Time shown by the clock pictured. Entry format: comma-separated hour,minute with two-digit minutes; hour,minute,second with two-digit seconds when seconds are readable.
12,51,52
